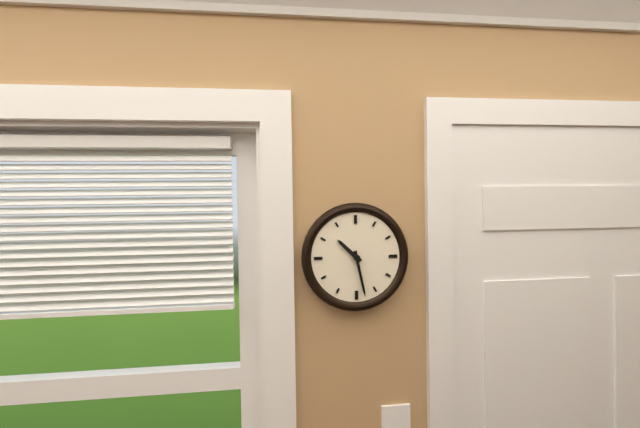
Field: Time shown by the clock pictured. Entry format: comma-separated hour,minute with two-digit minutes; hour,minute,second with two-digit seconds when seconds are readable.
10,28
